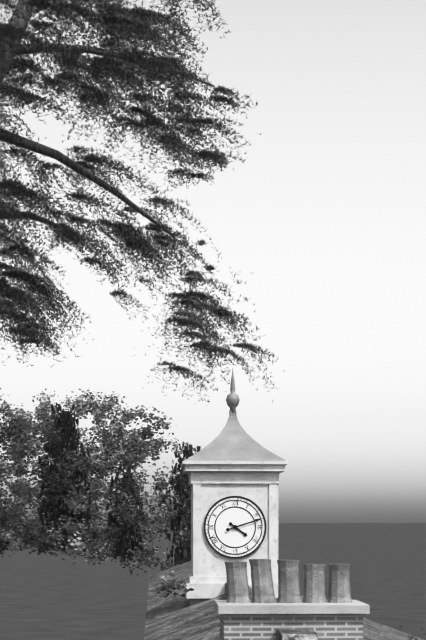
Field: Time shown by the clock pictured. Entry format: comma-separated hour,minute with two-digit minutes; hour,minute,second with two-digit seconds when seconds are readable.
4,12
